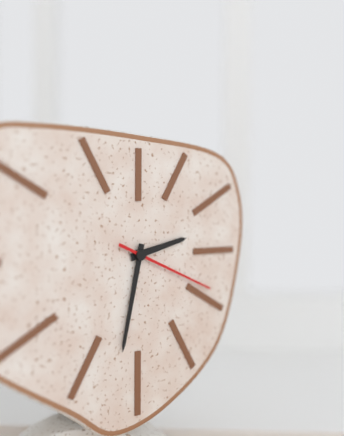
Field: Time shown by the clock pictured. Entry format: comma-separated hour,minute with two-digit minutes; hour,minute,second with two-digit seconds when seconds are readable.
2,32,19
